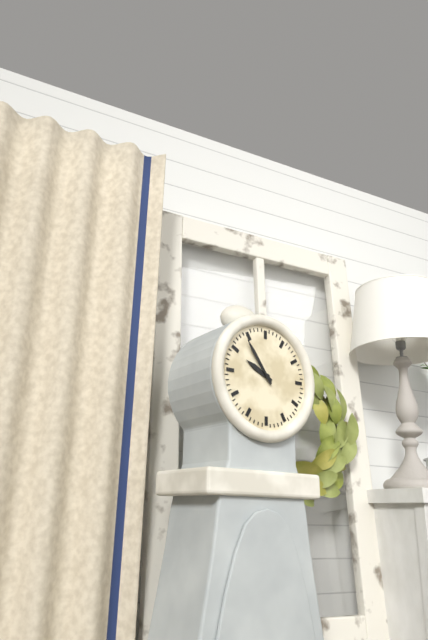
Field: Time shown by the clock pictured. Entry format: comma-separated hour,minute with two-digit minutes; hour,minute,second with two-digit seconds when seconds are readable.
9,54
